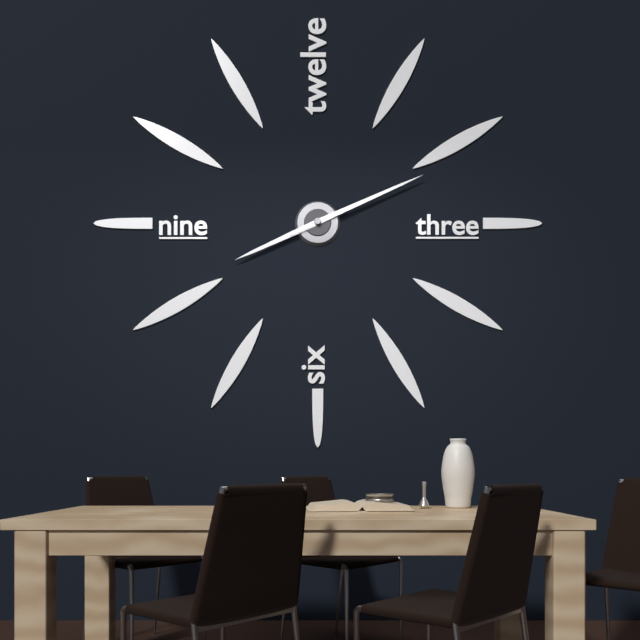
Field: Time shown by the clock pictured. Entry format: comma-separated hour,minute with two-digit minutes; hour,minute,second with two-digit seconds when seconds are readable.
8,11
